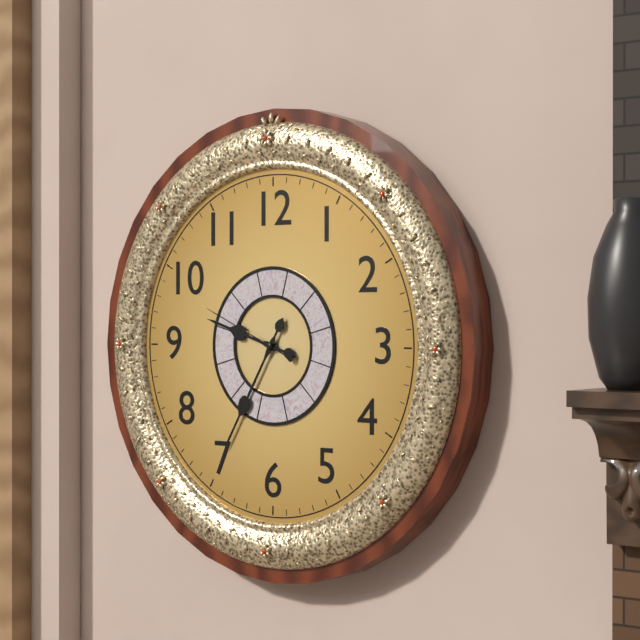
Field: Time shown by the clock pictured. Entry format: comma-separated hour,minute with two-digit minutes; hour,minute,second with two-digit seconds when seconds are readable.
9,35,49
